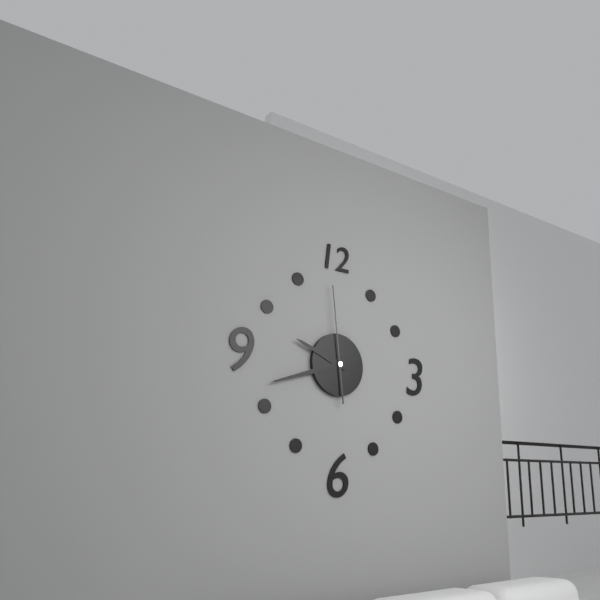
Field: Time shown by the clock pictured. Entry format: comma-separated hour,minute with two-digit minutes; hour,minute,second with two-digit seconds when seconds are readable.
9,42,59
